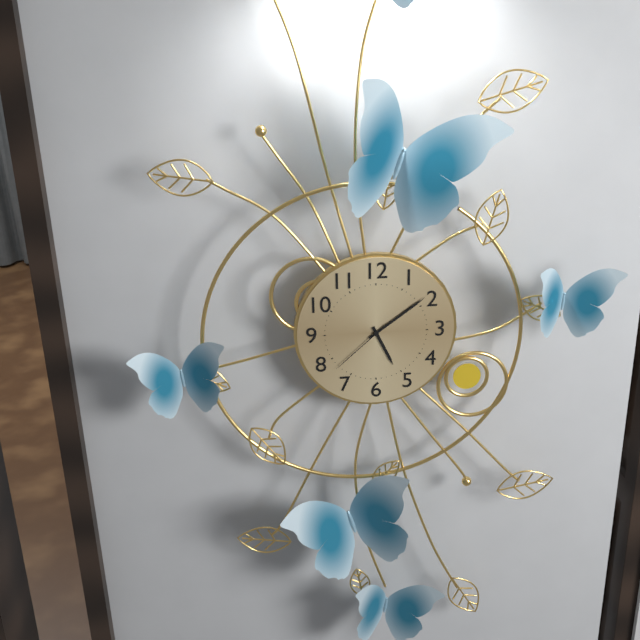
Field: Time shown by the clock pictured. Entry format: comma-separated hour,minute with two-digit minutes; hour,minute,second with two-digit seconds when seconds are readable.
5,09,38
